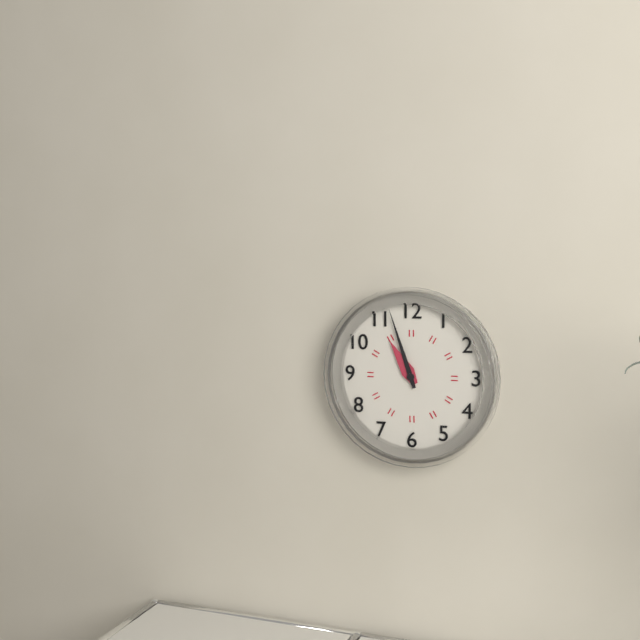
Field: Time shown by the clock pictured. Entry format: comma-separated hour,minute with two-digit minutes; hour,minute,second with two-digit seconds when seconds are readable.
10,57
